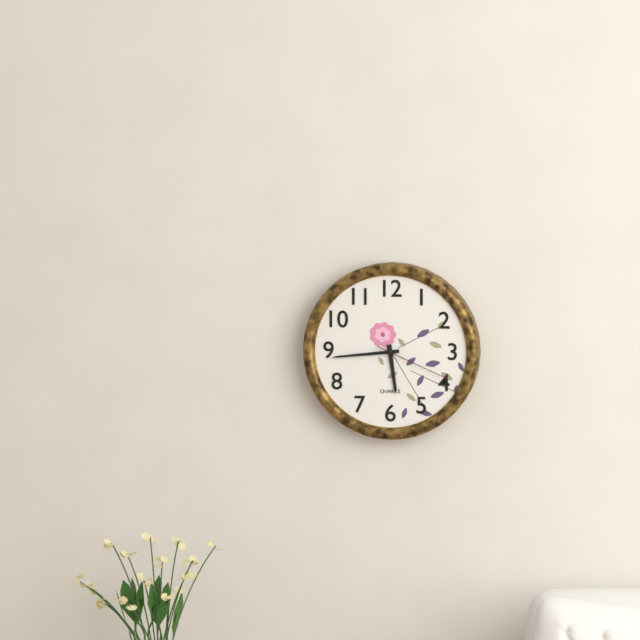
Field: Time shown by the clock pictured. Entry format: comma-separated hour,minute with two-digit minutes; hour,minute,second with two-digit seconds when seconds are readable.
5,44,19
